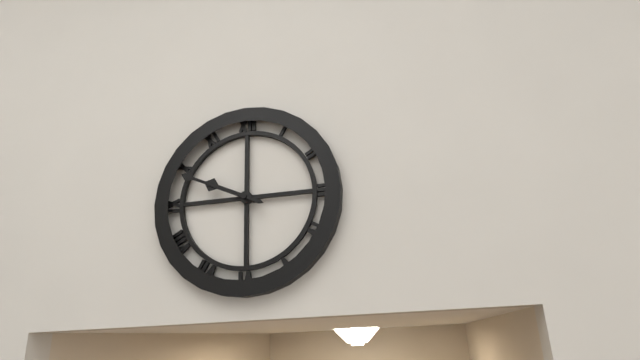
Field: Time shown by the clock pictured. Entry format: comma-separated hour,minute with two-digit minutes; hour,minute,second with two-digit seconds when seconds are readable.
9,49
